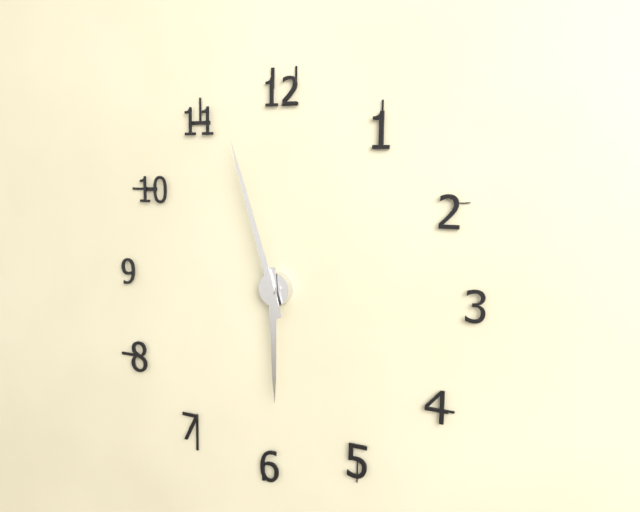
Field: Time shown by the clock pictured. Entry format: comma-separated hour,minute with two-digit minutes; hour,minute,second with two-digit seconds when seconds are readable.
5,57
